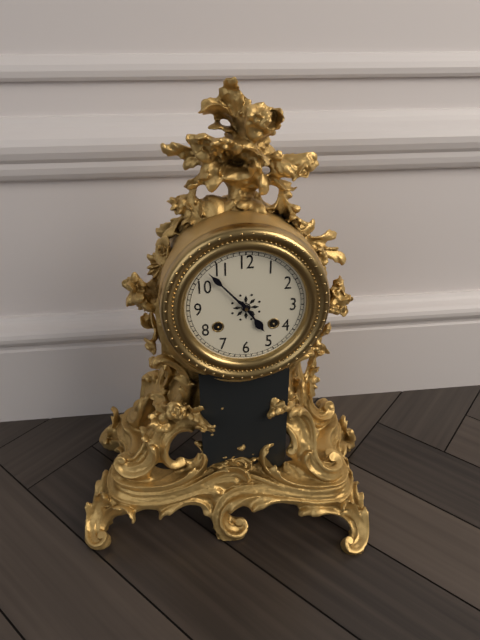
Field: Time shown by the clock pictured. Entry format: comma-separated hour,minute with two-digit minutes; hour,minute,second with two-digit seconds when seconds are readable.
4,53
